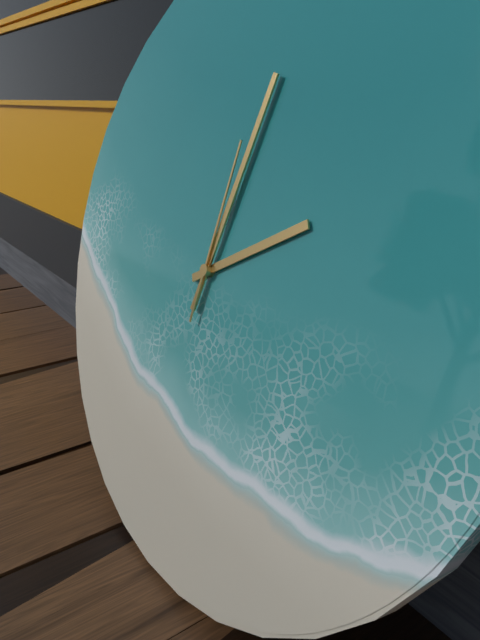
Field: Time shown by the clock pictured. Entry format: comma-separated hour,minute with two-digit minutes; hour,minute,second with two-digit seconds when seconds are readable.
2,02,01
